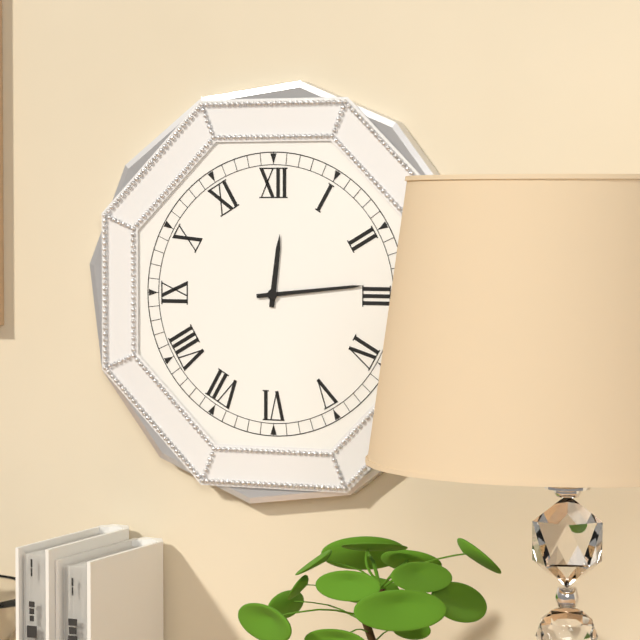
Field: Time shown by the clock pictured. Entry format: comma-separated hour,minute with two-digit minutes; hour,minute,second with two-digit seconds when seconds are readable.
12,14
